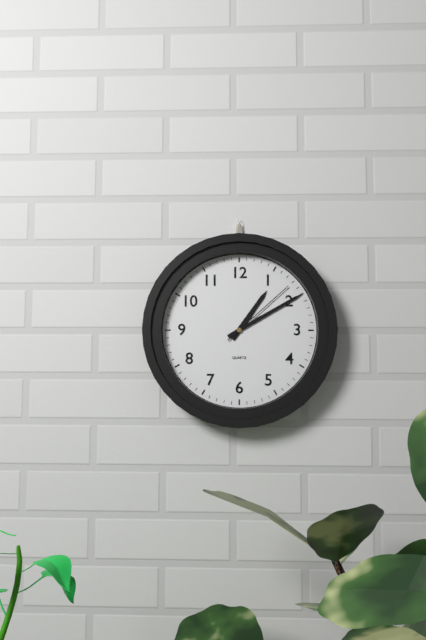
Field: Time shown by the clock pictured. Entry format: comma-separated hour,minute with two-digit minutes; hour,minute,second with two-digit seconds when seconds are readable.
1,10,08
